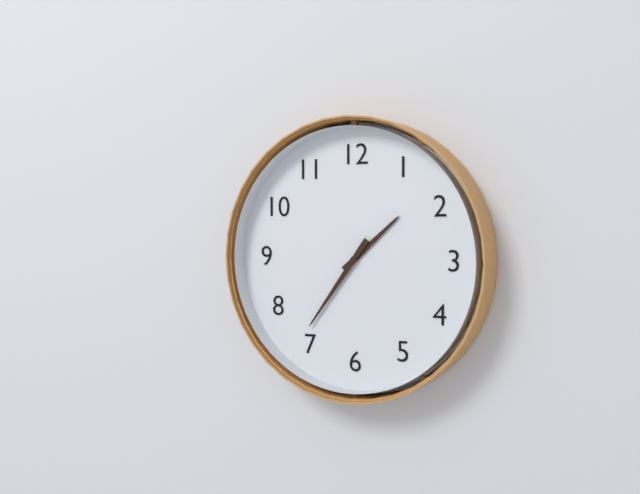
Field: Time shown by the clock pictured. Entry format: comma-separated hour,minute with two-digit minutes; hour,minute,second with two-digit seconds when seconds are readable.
1,36
